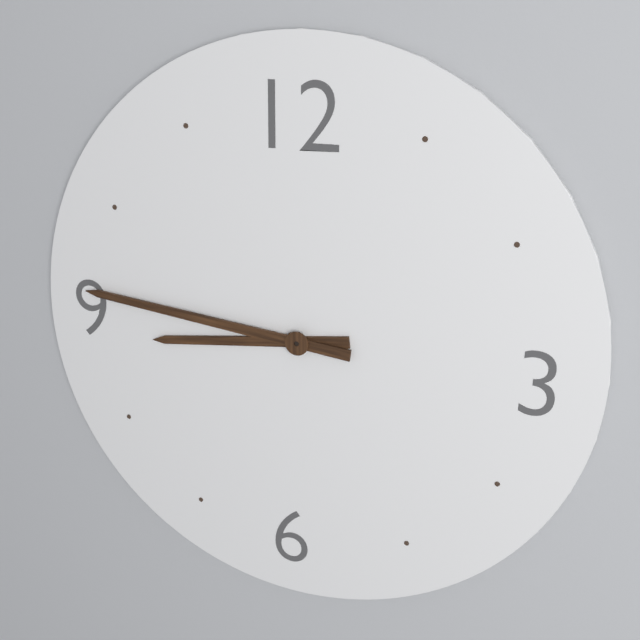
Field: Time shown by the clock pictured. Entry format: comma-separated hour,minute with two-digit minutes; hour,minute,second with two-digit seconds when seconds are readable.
8,46
